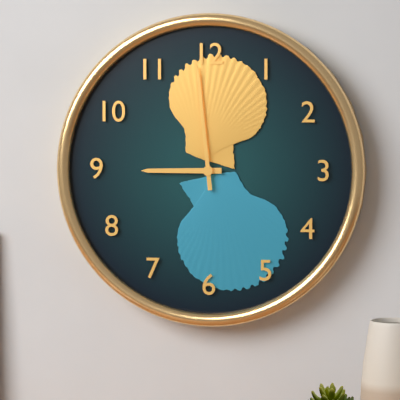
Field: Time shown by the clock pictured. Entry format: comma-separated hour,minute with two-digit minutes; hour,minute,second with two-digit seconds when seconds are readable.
8,59
